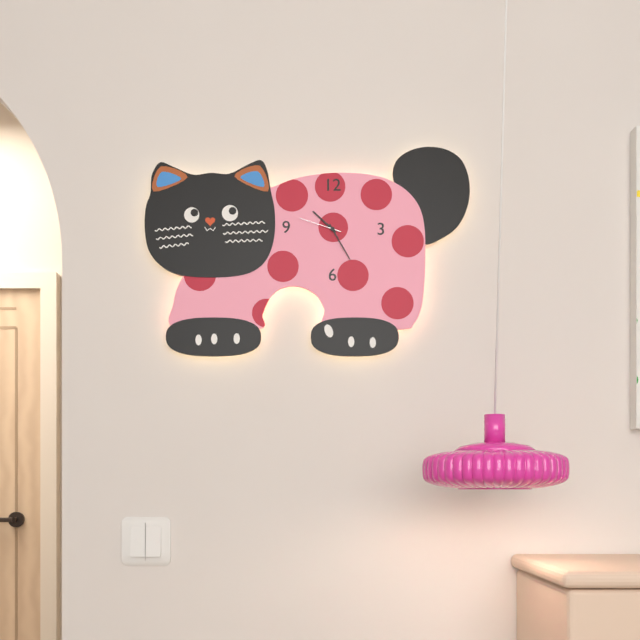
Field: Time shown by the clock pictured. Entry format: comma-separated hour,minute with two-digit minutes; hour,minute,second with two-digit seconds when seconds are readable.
10,25
